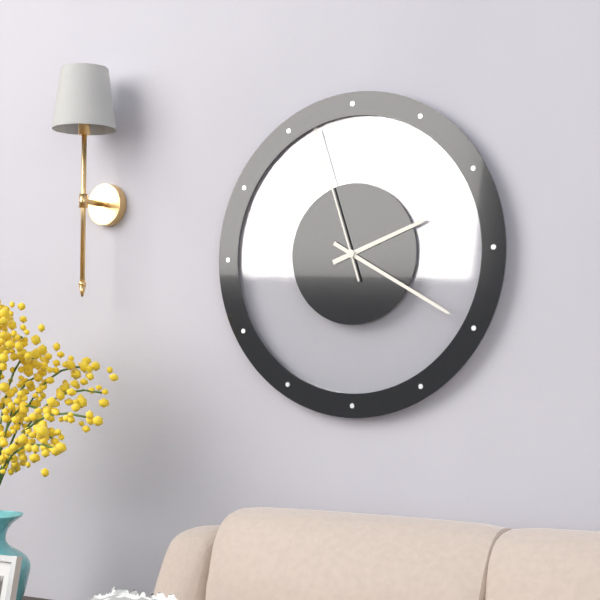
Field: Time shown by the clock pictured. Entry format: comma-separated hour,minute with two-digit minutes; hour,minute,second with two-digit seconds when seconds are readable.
2,20,57
